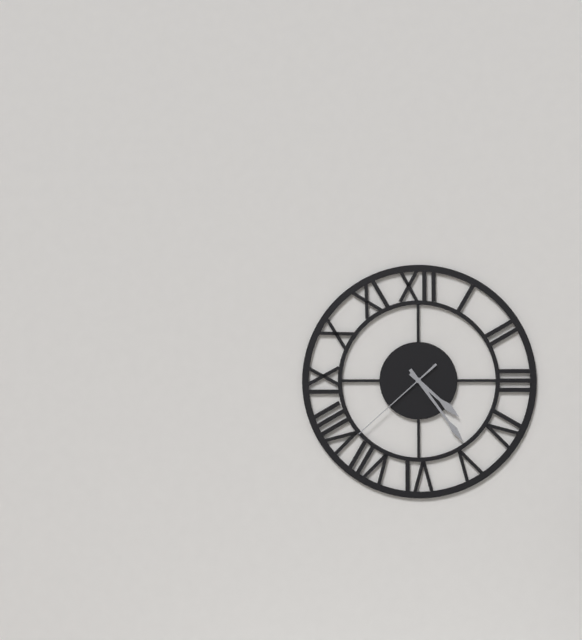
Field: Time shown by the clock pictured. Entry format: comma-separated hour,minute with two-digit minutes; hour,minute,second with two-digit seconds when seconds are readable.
4,24,38
